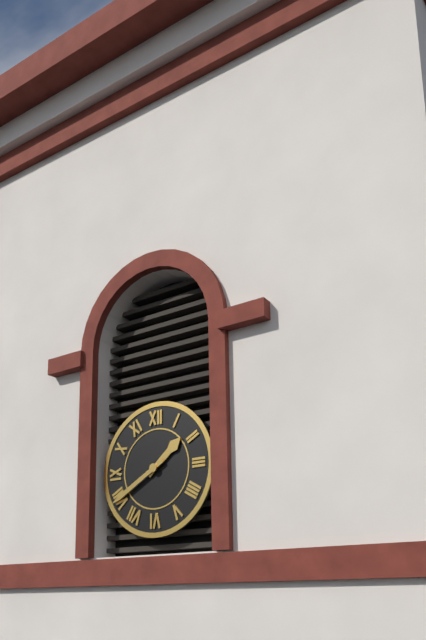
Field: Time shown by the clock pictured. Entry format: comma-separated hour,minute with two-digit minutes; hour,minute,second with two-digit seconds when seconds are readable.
1,40
